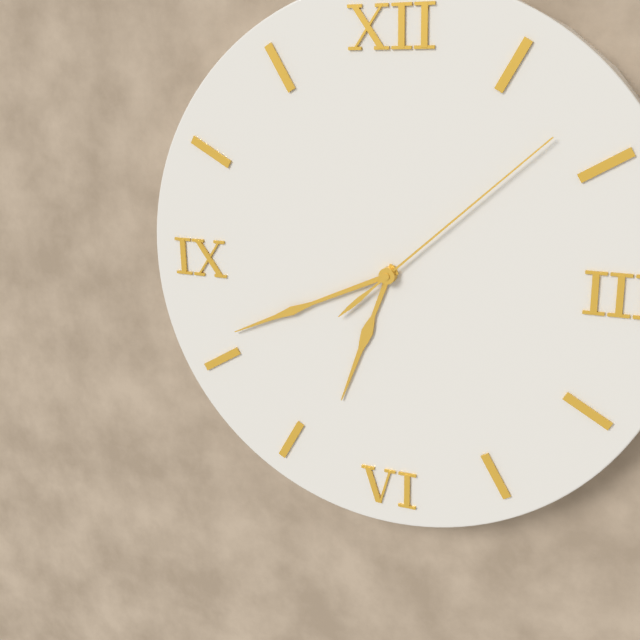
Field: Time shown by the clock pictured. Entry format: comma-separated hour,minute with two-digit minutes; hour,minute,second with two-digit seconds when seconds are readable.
6,41,08
